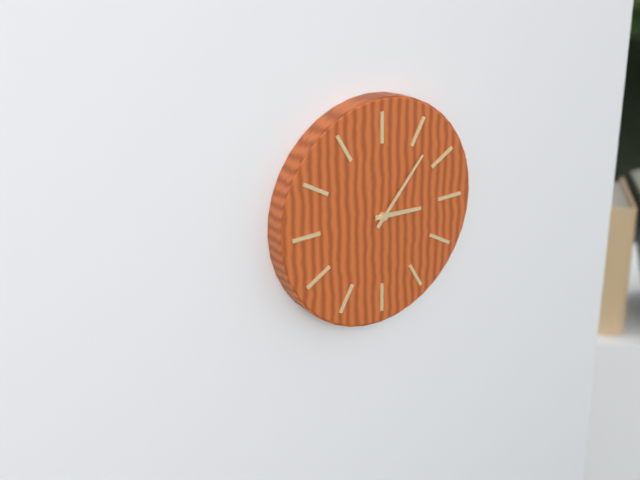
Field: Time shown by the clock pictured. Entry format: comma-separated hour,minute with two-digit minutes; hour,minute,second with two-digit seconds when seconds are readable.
3,07
